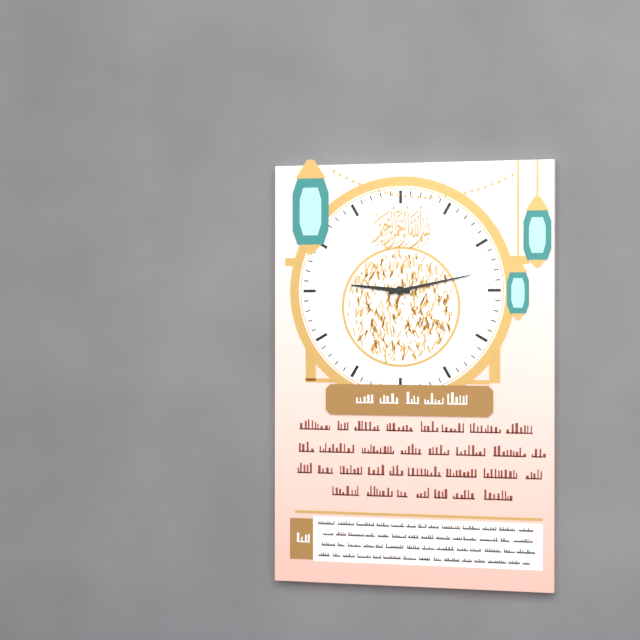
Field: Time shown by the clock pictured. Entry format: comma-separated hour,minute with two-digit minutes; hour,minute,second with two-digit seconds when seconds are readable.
9,13
